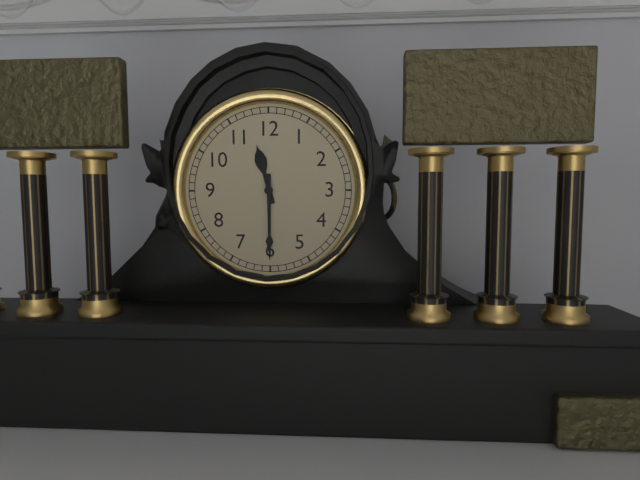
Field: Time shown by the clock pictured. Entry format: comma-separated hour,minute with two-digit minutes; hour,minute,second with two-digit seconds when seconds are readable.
11,30
